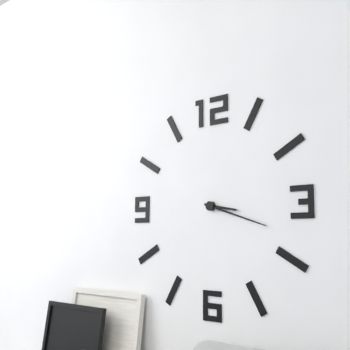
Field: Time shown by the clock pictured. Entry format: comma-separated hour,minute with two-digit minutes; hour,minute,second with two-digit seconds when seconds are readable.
3,18
